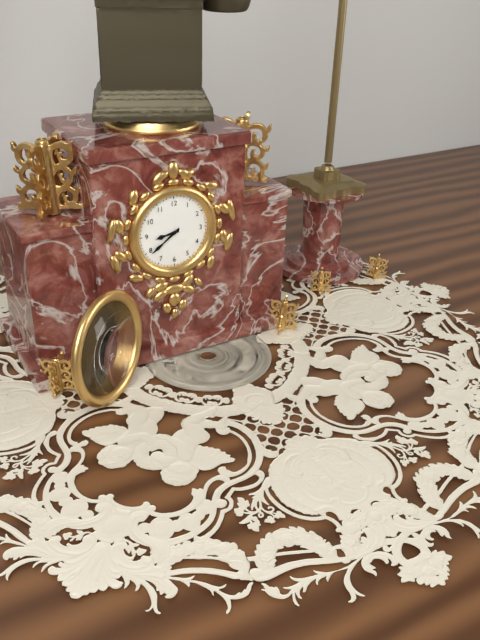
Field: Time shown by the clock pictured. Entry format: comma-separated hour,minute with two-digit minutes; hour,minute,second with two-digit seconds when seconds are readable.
8,39
